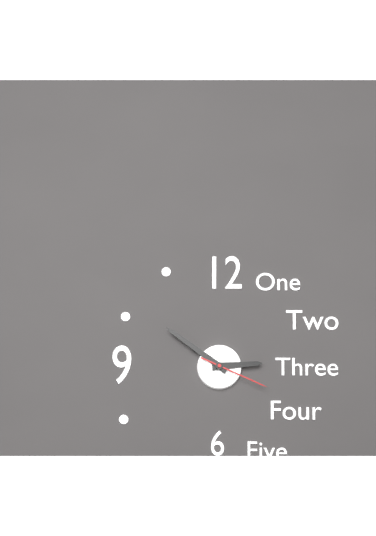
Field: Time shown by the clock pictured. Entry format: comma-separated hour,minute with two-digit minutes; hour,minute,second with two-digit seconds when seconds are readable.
2,51,19
